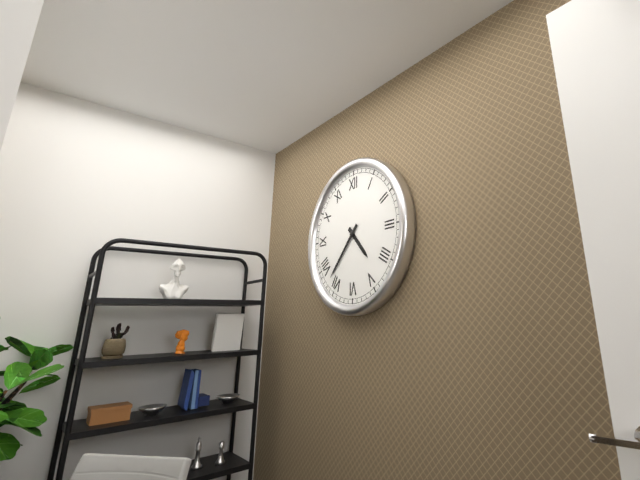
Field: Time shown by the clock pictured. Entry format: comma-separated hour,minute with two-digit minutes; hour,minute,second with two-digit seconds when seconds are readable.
4,37
